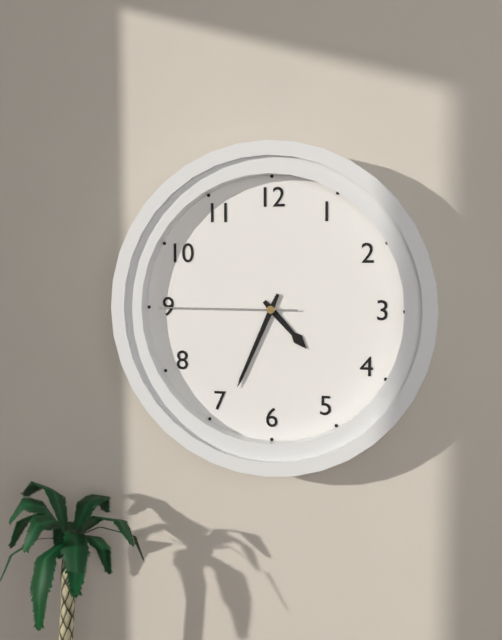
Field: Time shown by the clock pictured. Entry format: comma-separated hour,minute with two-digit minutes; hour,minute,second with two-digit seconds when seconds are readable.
4,34,45
